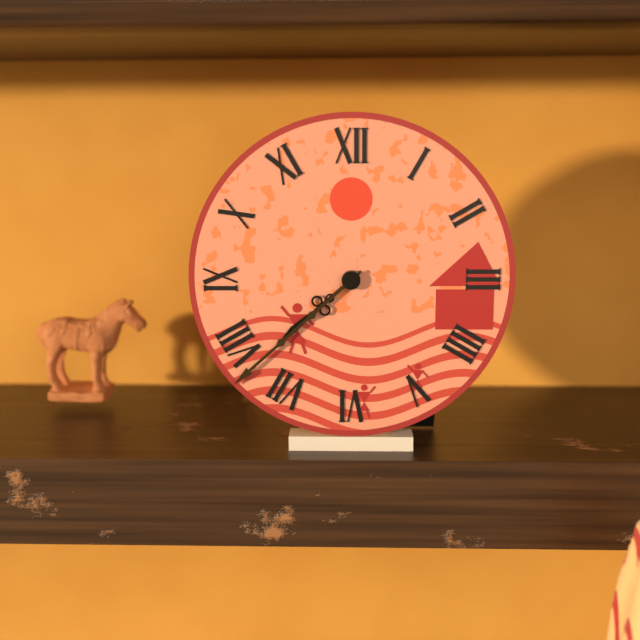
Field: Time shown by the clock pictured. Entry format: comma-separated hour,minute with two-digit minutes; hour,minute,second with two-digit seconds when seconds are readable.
7,38
